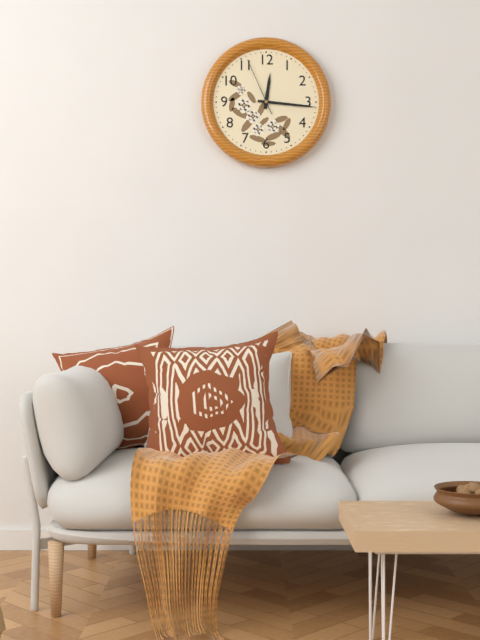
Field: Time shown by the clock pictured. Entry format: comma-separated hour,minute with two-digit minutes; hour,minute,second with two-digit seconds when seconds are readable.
12,16,56
